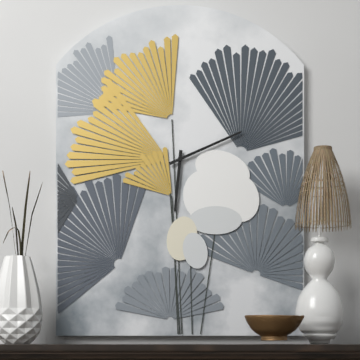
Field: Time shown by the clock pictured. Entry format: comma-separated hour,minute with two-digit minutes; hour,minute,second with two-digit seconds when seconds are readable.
6,11
